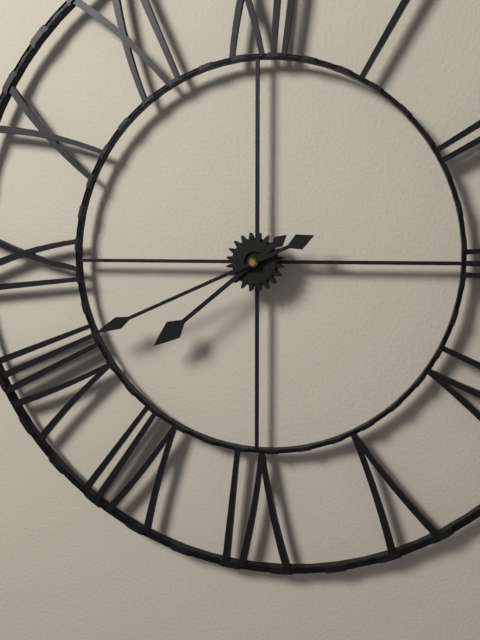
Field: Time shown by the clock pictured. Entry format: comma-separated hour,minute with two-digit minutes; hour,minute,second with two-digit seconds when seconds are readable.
7,41
